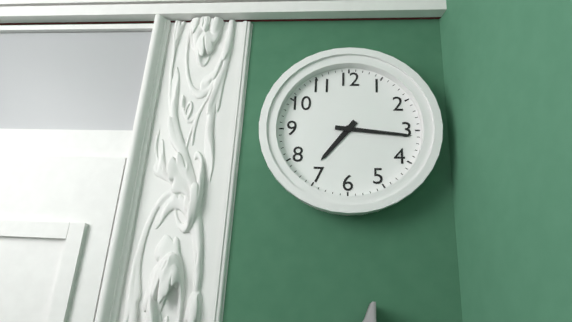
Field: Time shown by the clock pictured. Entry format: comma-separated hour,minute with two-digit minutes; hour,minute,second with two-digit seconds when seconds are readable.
7,16
